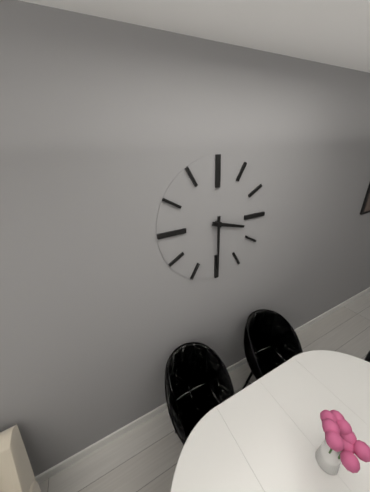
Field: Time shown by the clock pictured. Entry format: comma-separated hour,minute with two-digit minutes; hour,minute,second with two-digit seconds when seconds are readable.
3,30
